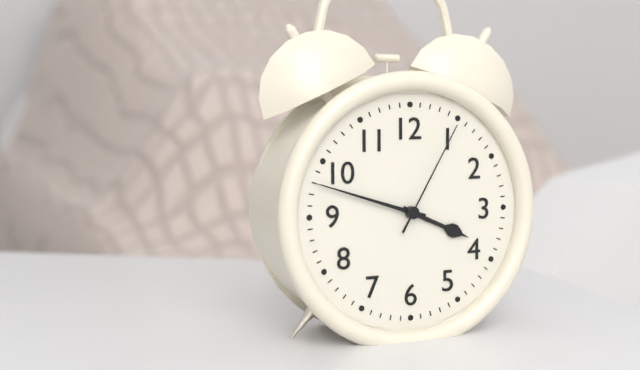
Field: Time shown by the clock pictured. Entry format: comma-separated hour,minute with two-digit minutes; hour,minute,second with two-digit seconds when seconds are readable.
3,48,05
